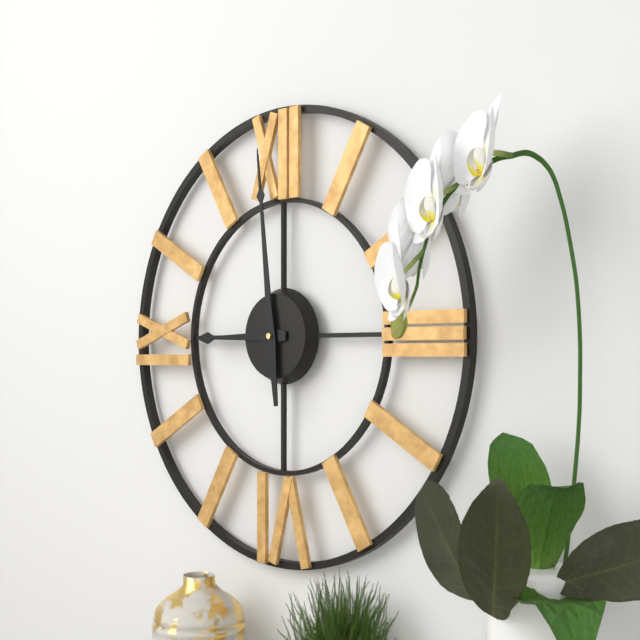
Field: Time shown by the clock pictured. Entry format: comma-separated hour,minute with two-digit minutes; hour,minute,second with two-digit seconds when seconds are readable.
8,59
